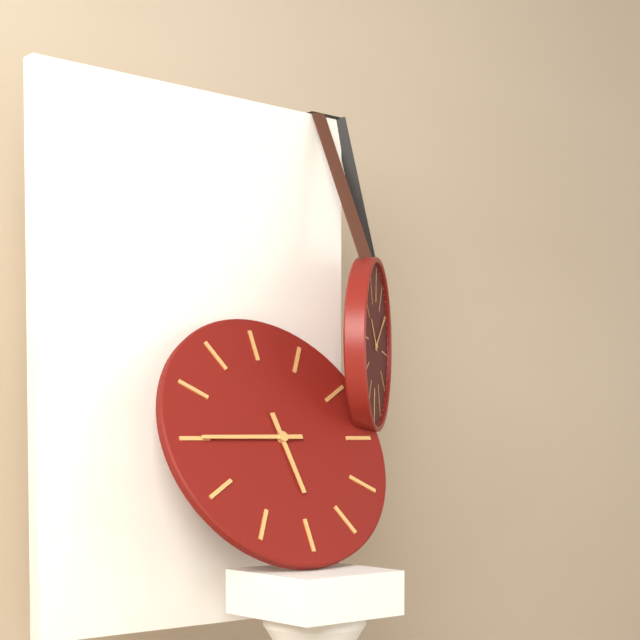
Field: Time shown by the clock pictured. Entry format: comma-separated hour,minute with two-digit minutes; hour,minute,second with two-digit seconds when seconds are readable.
5,45
